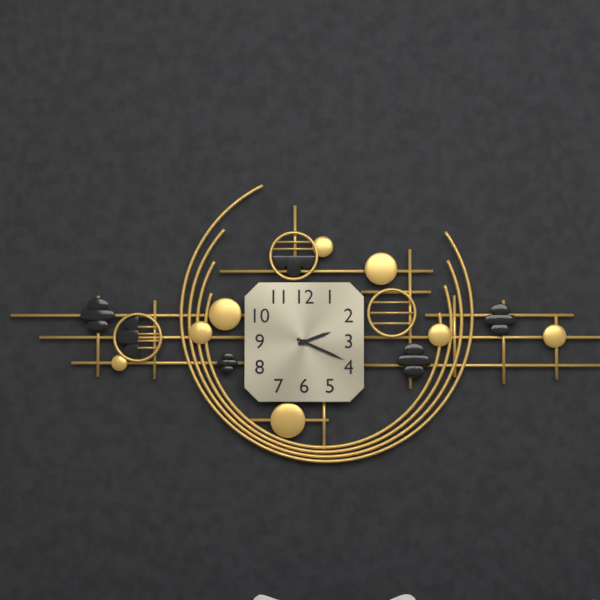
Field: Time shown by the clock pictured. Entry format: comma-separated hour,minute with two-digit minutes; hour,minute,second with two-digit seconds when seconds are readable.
2,19
